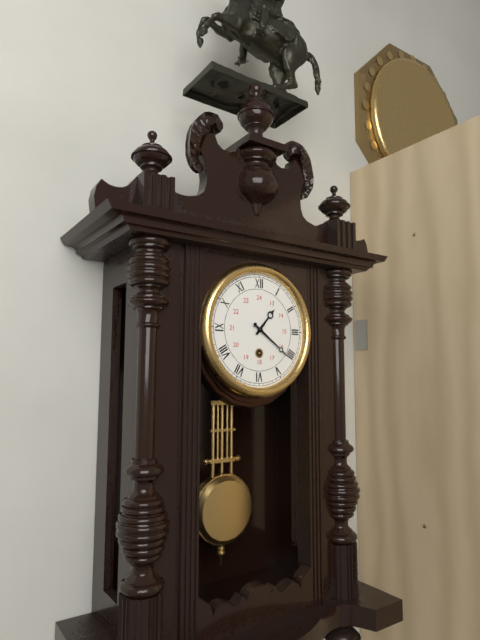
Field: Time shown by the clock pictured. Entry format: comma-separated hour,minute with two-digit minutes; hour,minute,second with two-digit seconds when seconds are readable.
1,21
